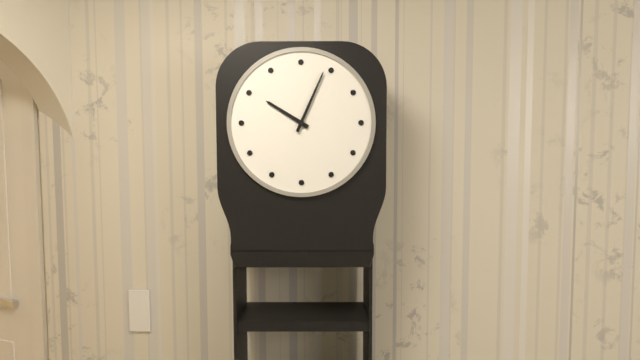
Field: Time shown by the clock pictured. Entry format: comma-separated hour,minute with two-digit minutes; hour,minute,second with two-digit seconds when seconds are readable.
10,04
